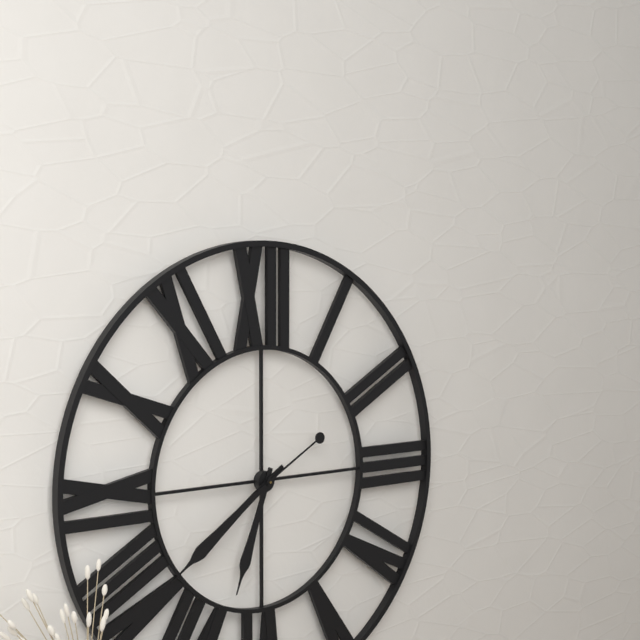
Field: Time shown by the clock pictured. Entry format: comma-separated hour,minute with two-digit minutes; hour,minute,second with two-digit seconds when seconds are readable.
6,39,10
